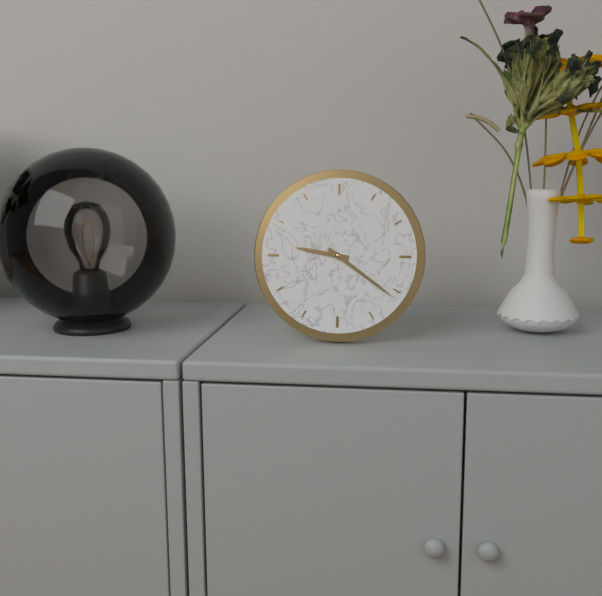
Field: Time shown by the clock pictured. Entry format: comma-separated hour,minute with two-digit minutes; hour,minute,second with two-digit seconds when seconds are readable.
9,21
